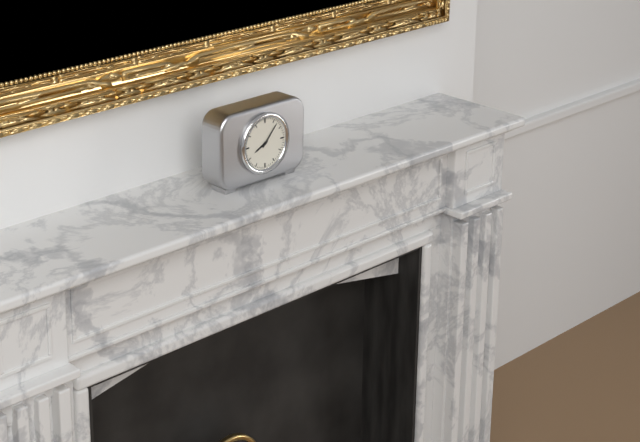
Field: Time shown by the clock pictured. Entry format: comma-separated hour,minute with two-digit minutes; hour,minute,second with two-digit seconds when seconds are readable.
8,07
